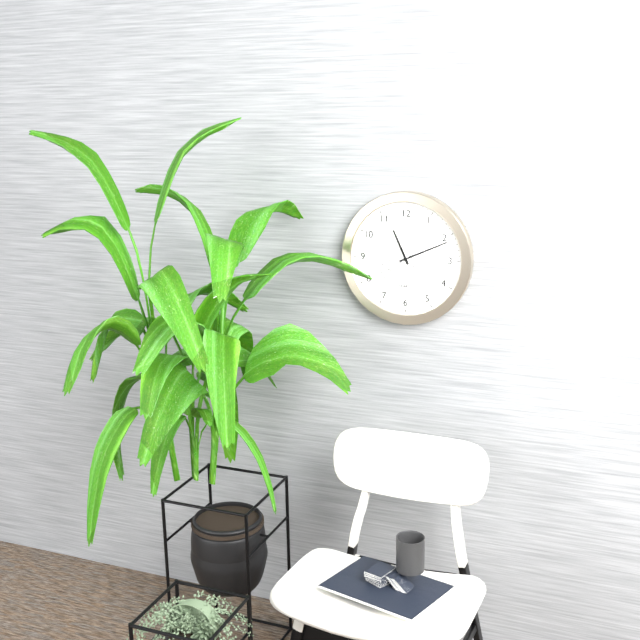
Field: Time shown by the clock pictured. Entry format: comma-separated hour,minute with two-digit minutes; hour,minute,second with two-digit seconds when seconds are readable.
11,11,39
